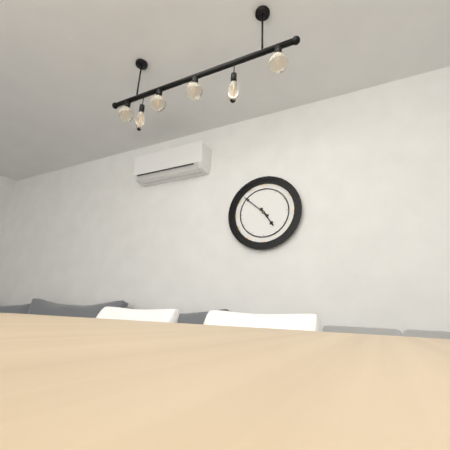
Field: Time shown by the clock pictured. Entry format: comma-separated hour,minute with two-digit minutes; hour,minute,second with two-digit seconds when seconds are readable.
4,52
